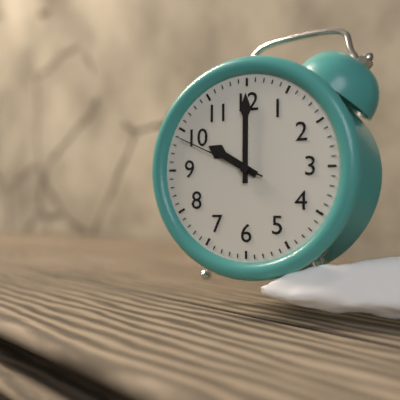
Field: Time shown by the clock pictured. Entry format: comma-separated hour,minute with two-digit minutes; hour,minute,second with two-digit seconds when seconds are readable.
10,00,49
